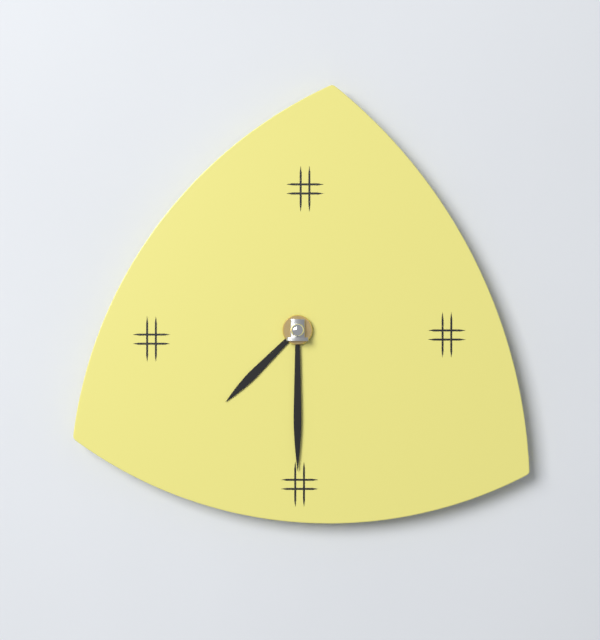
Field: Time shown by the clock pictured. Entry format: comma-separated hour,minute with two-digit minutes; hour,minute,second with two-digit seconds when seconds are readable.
7,30
